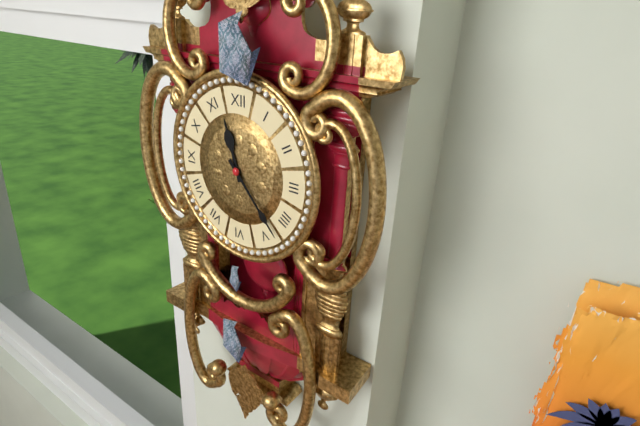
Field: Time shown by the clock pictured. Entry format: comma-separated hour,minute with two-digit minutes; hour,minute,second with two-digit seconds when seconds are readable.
11,23
